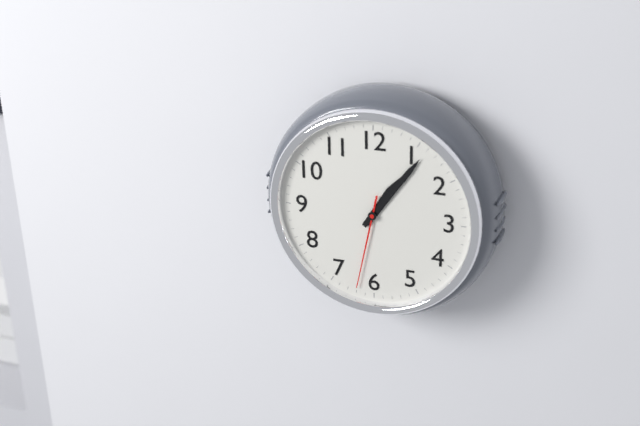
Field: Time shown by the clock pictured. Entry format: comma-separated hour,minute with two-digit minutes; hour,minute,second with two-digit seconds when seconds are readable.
1,06,32
